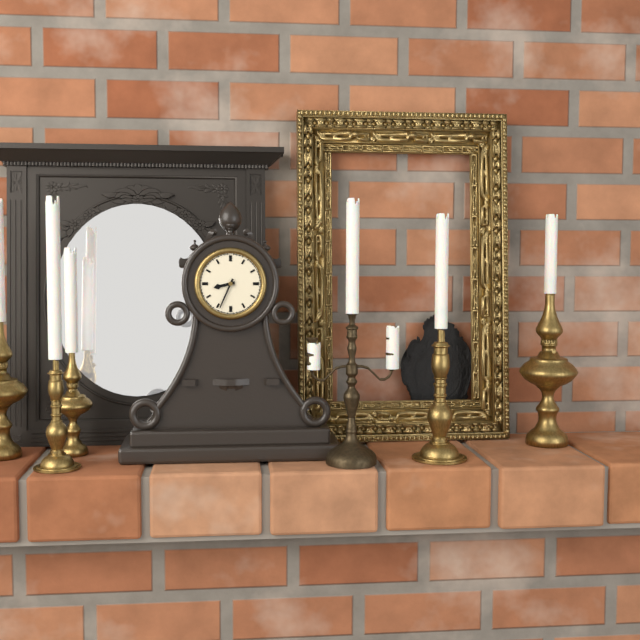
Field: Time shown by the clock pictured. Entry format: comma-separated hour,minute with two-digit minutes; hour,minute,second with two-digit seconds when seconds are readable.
8,34
